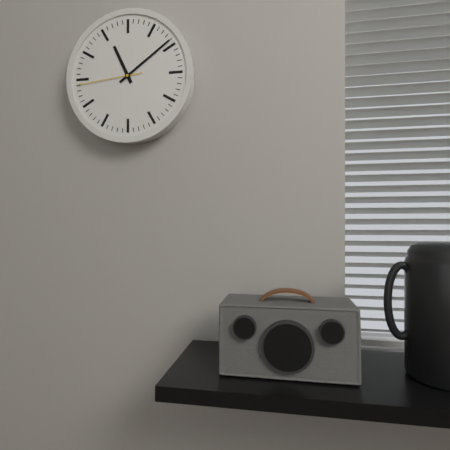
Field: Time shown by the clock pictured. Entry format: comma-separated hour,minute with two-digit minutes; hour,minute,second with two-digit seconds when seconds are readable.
11,09,44
